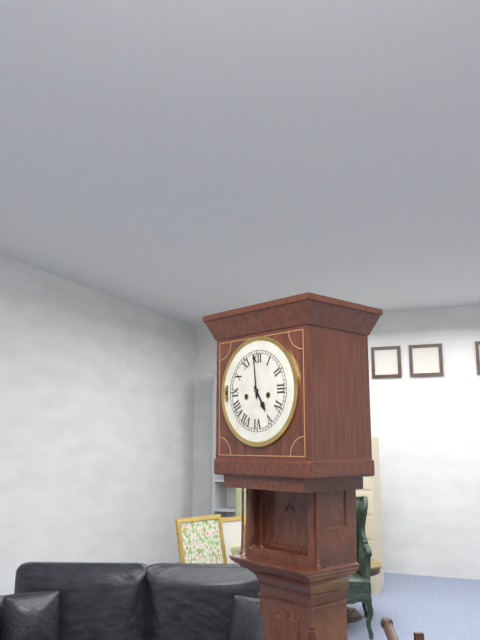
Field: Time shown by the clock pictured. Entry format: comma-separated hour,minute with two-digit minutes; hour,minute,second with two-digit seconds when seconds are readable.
4,59
